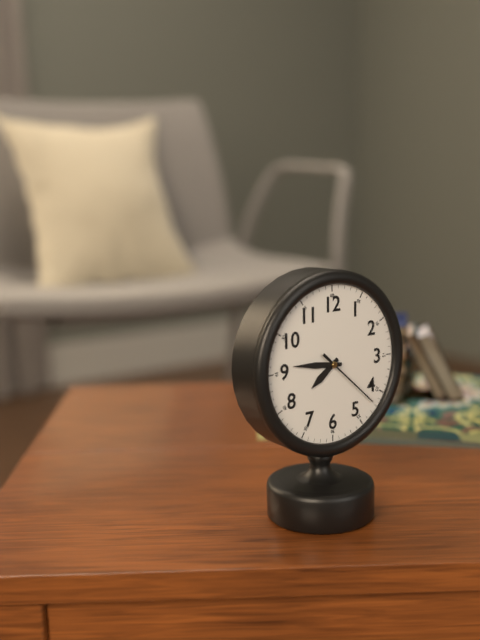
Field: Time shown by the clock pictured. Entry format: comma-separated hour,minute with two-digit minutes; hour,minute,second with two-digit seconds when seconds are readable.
7,46,22
